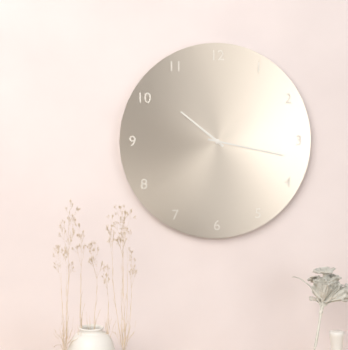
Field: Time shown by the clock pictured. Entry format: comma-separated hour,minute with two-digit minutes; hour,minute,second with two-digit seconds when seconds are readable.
10,17
